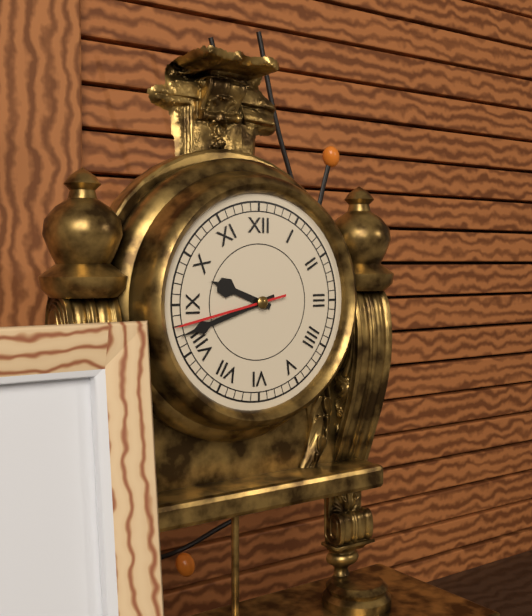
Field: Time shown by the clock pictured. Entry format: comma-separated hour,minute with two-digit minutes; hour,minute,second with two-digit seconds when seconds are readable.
9,42,43
